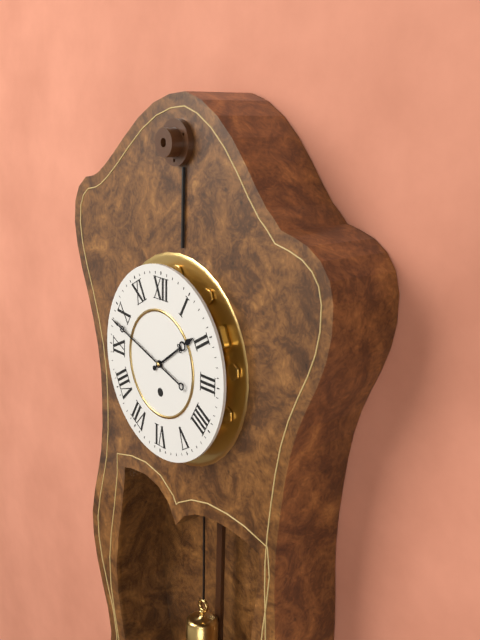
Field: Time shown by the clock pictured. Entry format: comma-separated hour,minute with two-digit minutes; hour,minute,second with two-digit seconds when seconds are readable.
1,48
